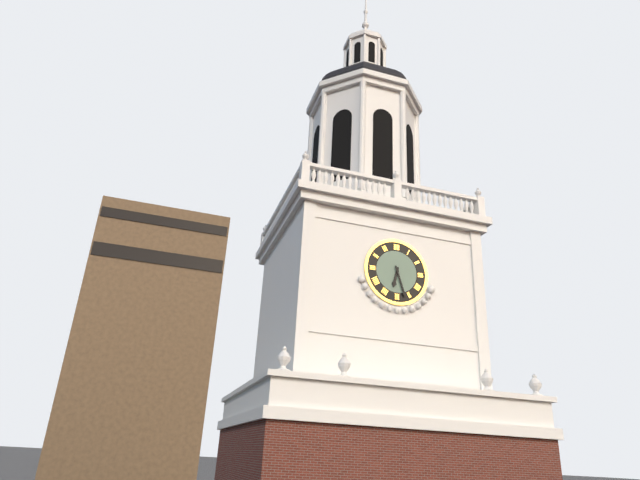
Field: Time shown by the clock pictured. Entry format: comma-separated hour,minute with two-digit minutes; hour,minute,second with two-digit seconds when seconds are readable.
6,27
